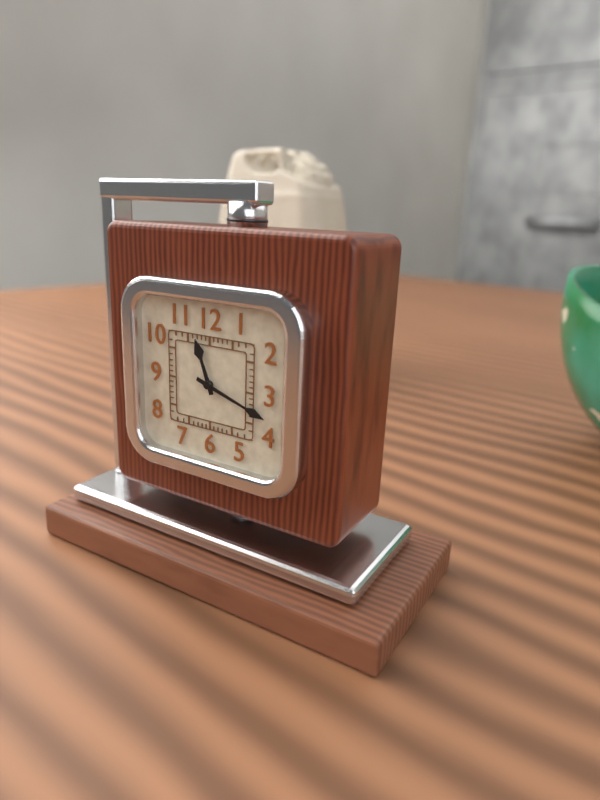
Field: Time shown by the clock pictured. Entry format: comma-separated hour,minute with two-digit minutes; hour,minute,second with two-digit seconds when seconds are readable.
11,18
